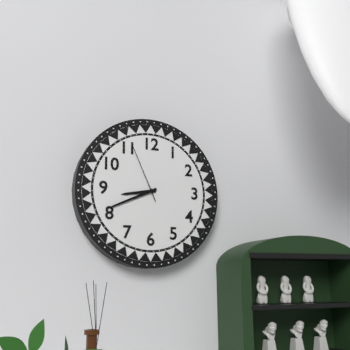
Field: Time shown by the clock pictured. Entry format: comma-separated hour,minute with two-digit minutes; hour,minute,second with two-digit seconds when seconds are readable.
8,41,56
